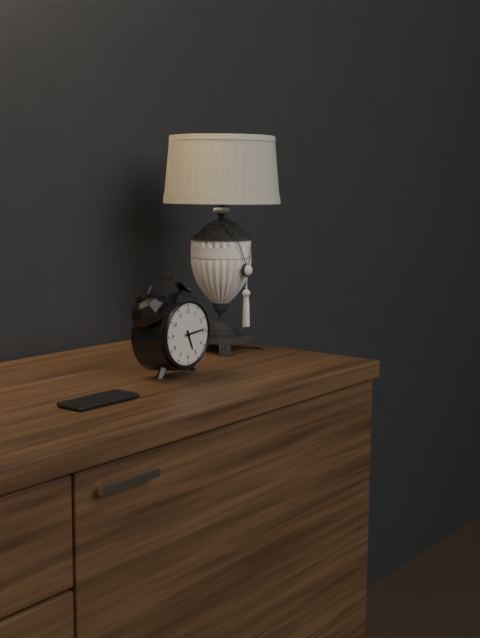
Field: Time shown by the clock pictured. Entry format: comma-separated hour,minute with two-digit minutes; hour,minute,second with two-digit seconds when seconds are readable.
5,14
